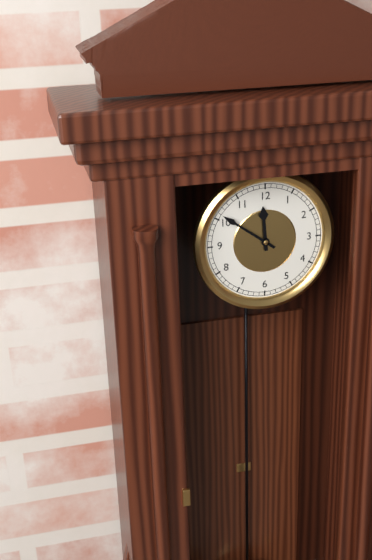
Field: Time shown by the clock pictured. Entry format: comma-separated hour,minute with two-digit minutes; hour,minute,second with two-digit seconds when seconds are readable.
11,51
